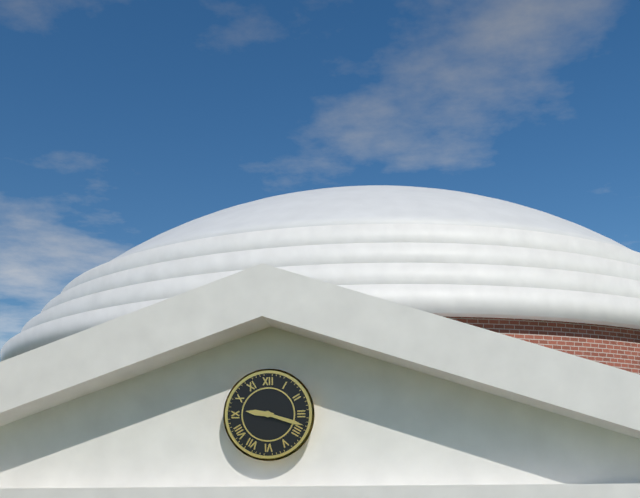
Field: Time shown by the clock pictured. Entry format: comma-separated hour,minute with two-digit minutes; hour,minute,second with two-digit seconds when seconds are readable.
9,18
